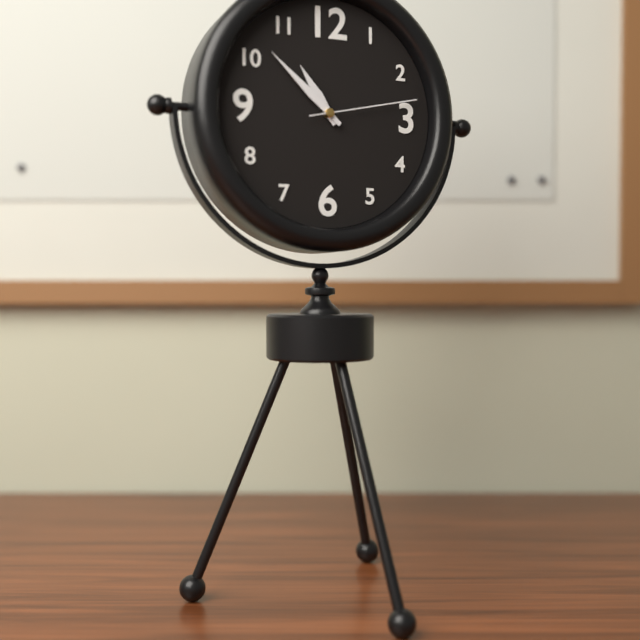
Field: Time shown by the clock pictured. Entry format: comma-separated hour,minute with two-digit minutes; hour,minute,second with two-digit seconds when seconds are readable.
10,52,13
